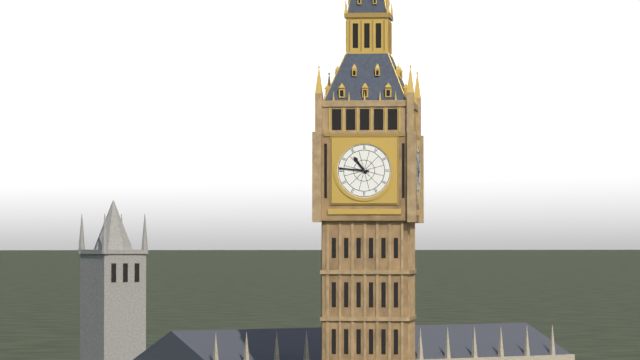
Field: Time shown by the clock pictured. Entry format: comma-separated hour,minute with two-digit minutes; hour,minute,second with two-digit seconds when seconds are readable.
10,46
